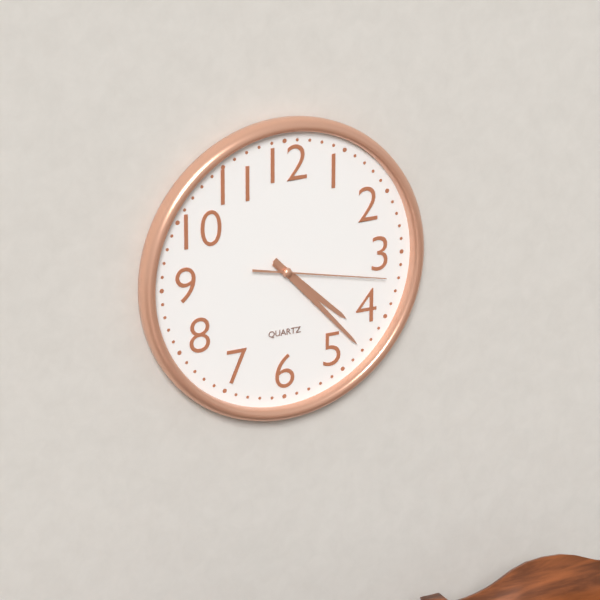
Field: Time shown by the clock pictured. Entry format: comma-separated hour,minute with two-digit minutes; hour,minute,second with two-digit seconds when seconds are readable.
4,23,17
